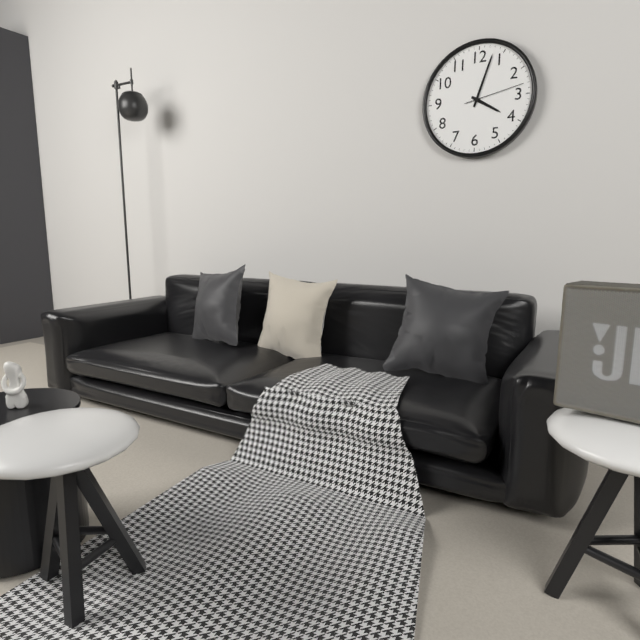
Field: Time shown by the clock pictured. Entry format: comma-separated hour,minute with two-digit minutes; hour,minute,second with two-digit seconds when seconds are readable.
4,03,13
